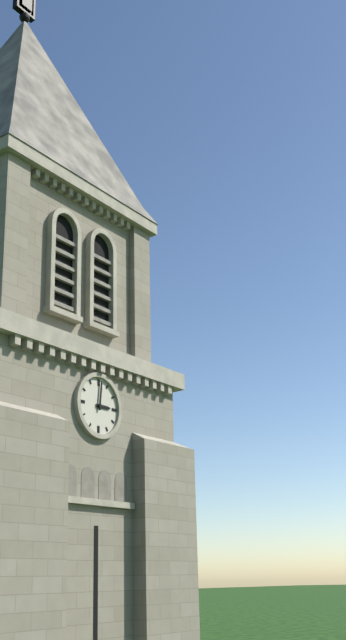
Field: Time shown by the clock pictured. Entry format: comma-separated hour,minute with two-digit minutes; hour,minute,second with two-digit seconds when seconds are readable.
3,01
